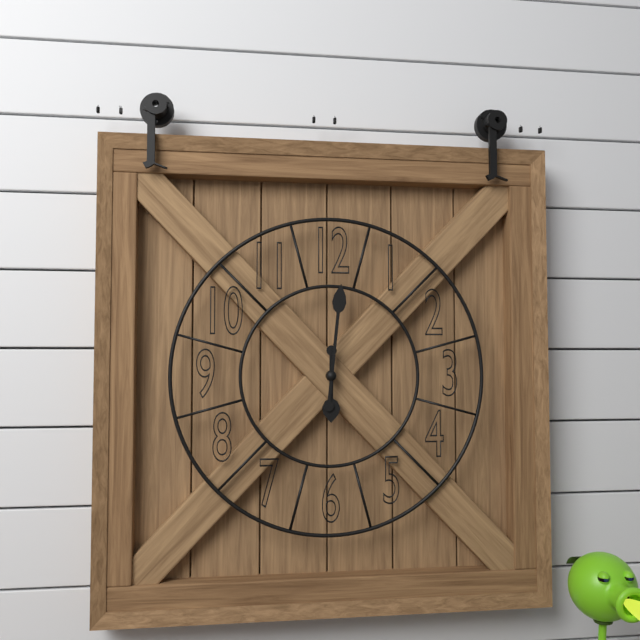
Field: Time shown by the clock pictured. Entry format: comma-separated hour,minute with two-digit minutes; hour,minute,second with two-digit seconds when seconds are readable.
6,01
